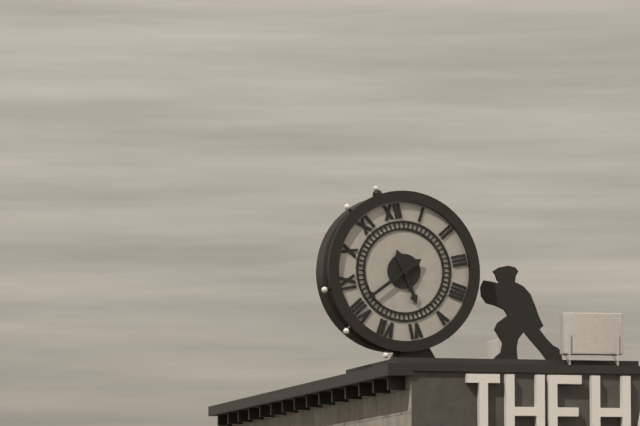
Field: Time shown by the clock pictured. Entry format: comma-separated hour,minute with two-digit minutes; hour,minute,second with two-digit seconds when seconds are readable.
5,41
